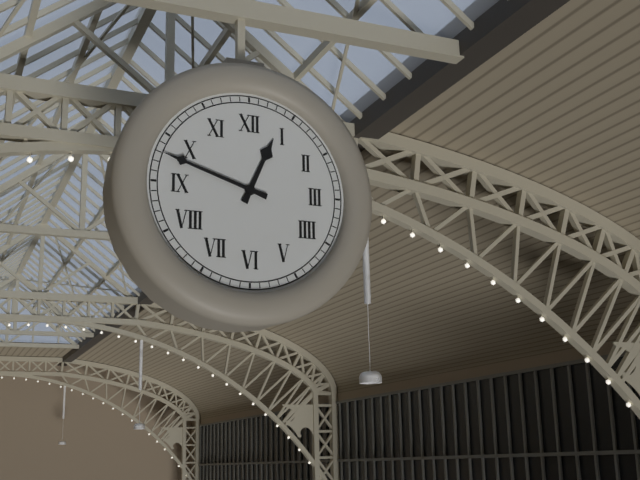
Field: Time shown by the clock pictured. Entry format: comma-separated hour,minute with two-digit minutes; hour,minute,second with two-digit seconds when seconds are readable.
12,48
